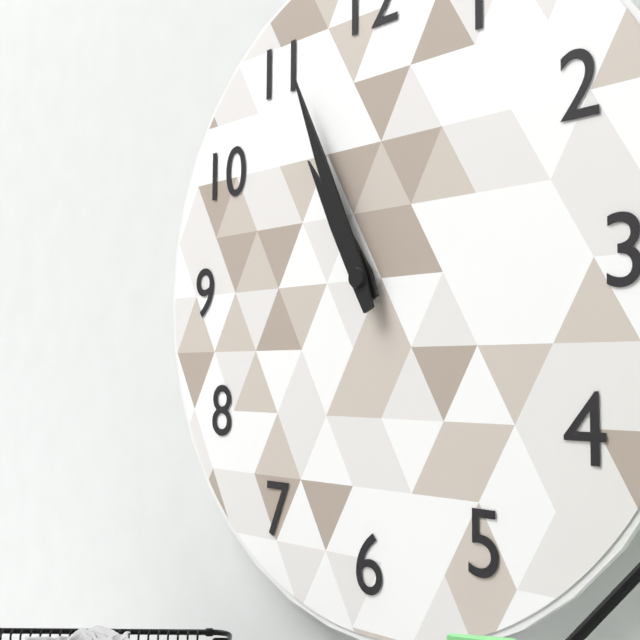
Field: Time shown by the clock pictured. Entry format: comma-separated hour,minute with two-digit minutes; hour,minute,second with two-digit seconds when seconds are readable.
10,56
